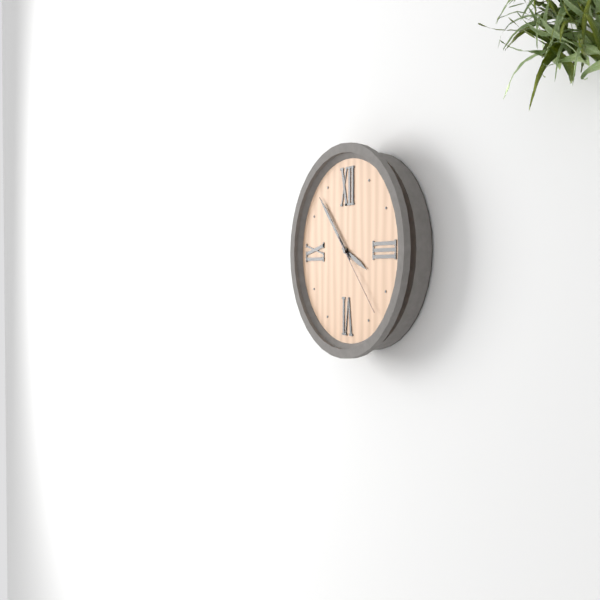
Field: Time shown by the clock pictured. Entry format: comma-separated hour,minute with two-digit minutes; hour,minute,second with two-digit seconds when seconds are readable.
3,53,23
